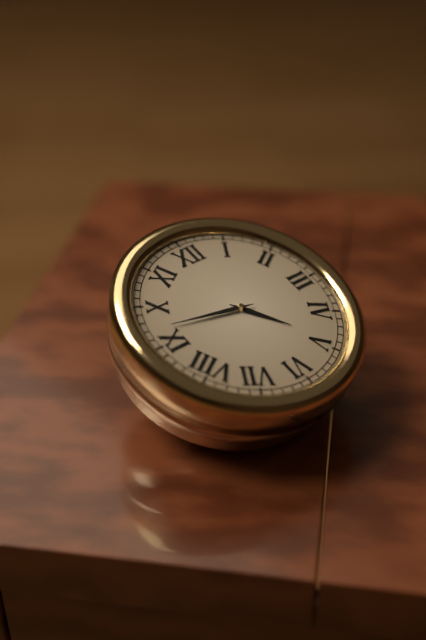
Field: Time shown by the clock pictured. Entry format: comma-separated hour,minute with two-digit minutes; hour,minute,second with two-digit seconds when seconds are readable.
4,47
